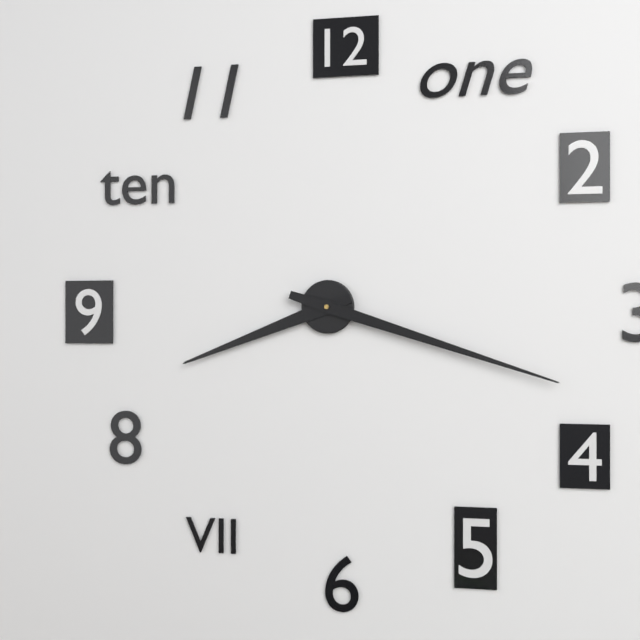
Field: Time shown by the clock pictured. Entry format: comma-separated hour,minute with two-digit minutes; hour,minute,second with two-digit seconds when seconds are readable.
8,18
